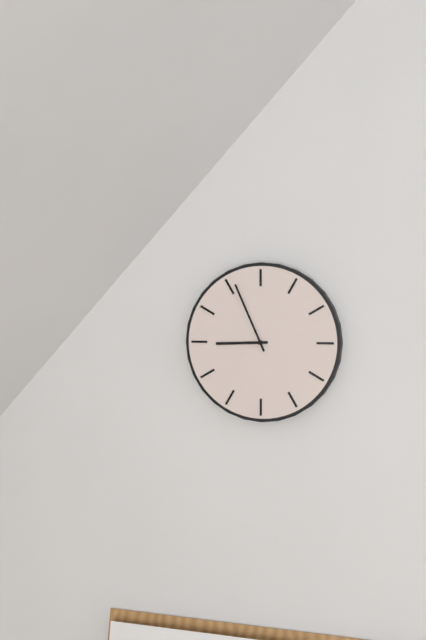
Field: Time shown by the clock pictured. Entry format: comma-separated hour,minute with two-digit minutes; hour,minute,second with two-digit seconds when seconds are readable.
8,56
